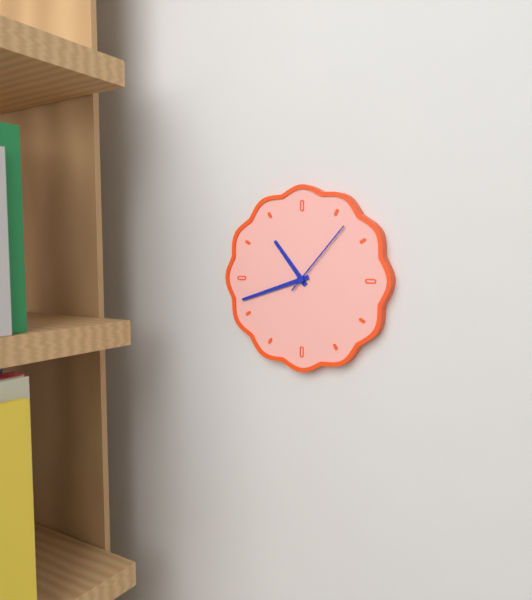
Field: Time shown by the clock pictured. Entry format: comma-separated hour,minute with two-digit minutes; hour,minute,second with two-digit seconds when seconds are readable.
10,42,07
